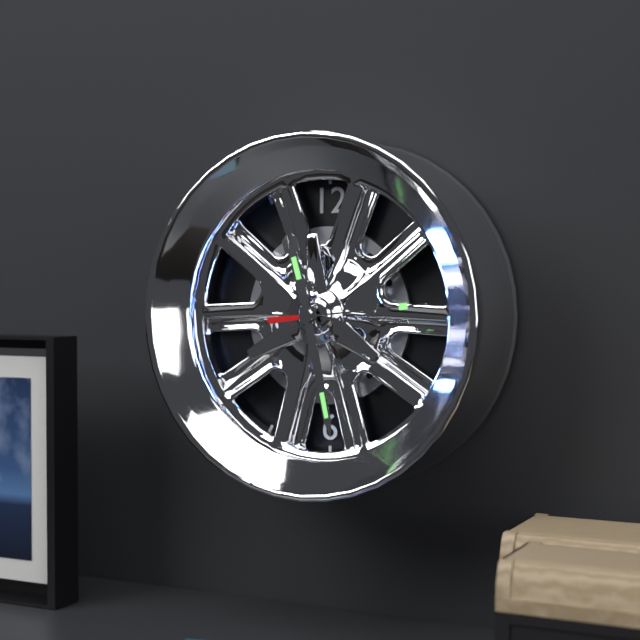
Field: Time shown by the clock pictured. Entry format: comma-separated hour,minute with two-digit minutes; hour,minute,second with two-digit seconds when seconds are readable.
11,28,14
